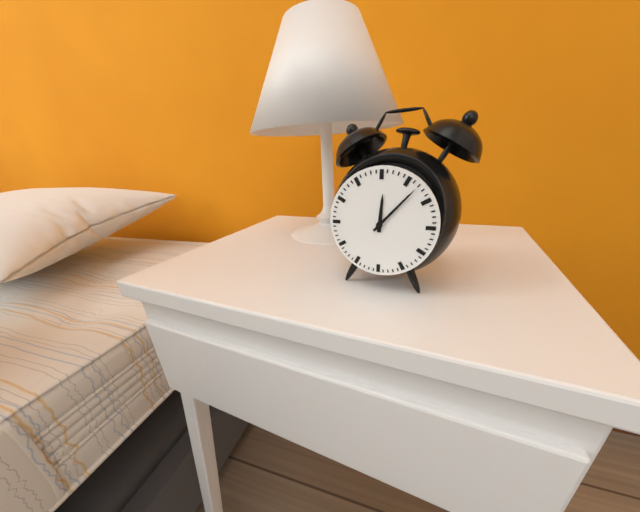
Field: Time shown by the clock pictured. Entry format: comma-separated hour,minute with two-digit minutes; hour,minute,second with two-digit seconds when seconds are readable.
12,07
